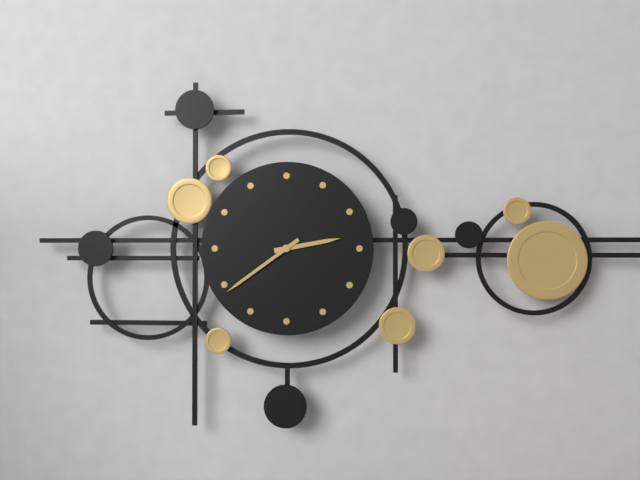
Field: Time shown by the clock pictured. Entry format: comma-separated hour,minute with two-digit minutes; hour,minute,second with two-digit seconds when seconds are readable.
2,39
